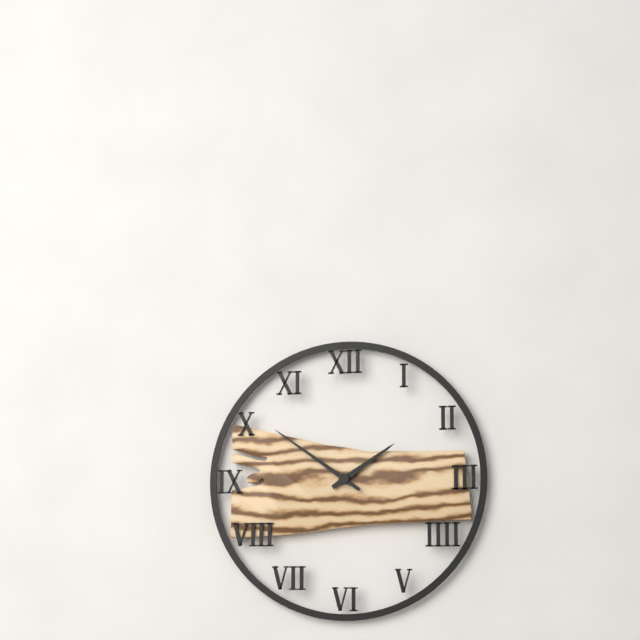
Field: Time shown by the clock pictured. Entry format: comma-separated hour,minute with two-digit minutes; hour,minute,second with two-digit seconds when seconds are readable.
1,51
